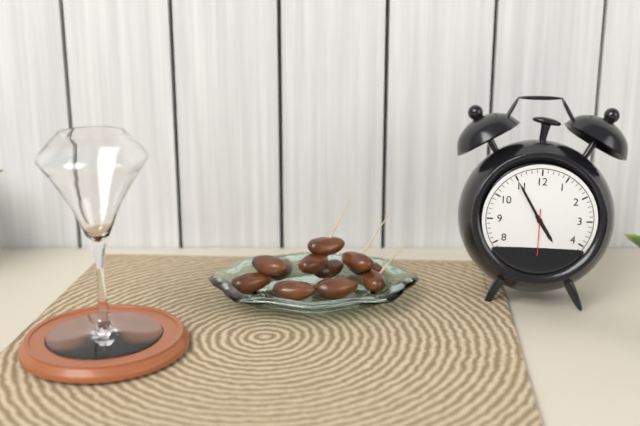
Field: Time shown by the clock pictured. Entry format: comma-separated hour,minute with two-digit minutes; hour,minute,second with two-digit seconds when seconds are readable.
4,55,30
